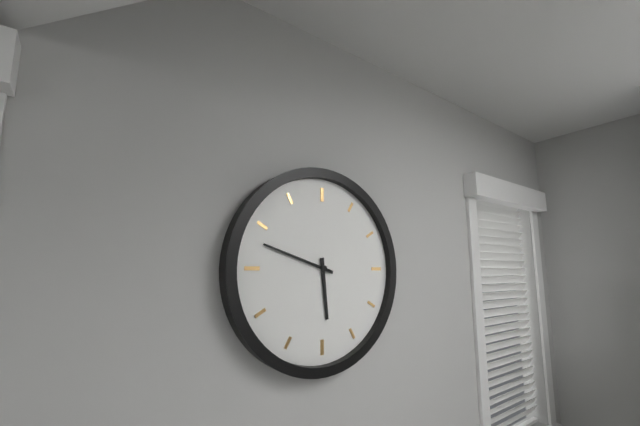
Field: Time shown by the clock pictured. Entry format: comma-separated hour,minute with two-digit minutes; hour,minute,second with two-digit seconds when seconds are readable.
5,48
